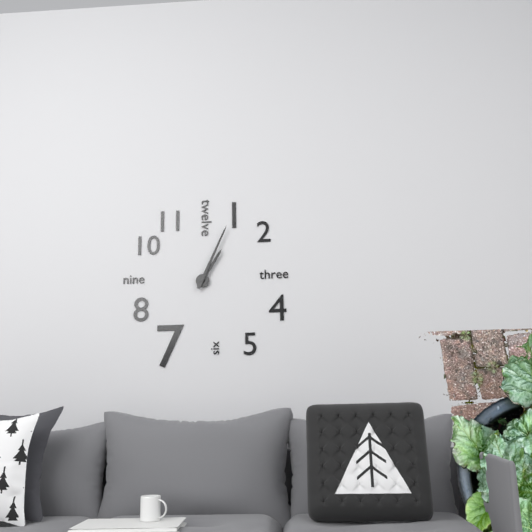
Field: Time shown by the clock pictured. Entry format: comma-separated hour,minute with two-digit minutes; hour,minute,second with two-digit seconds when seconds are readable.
1,04
